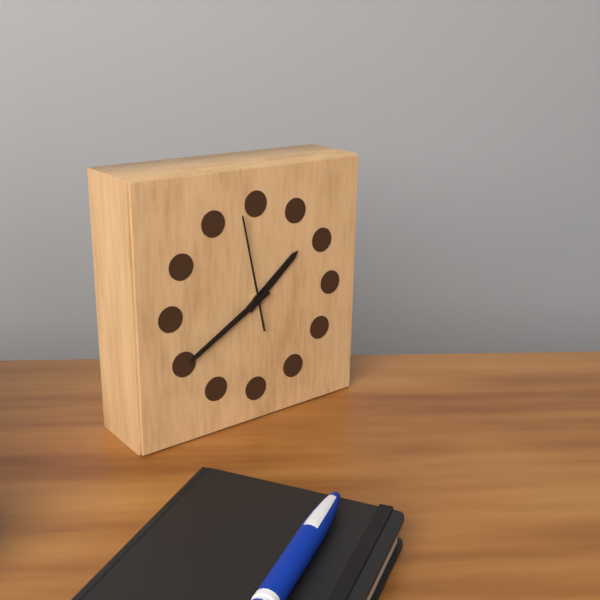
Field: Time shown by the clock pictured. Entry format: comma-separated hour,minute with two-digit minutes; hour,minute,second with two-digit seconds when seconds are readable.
1,40,58
